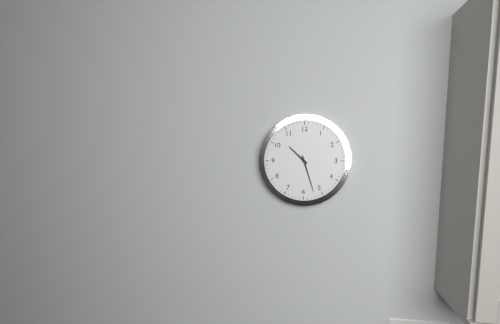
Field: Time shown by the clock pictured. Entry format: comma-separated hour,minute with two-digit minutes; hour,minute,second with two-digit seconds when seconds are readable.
10,27
